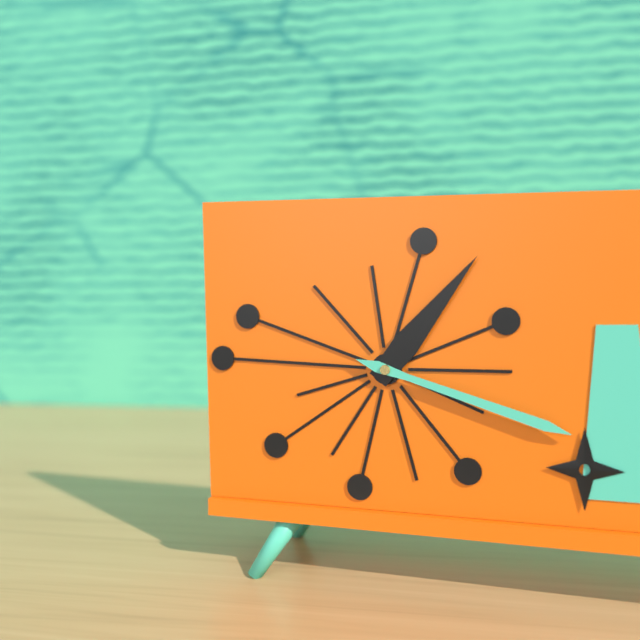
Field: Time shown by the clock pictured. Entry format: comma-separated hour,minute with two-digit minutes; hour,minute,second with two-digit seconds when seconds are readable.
1,18
